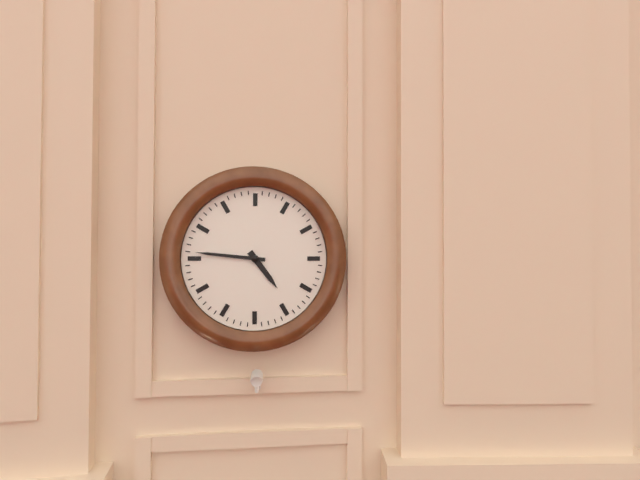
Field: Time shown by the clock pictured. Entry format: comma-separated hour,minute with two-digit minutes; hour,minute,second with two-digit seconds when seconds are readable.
4,46
